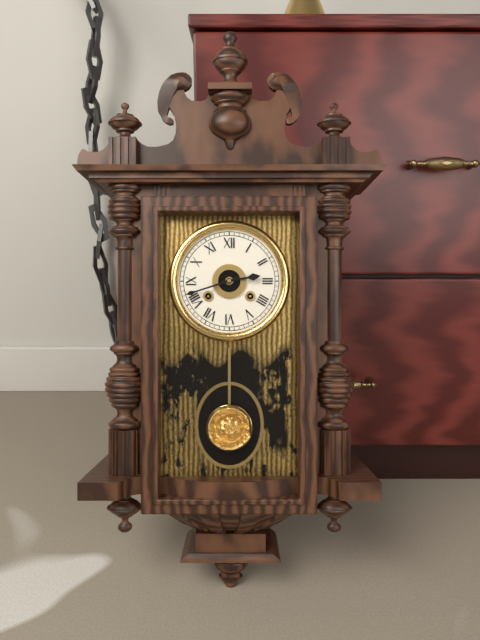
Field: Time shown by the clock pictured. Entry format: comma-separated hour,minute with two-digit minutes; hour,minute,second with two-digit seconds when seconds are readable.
2,42
